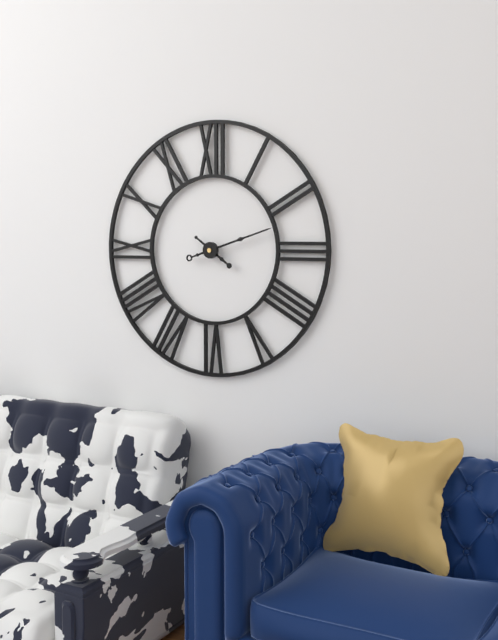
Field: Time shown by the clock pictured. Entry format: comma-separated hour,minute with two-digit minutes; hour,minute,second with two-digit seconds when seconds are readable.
4,12
